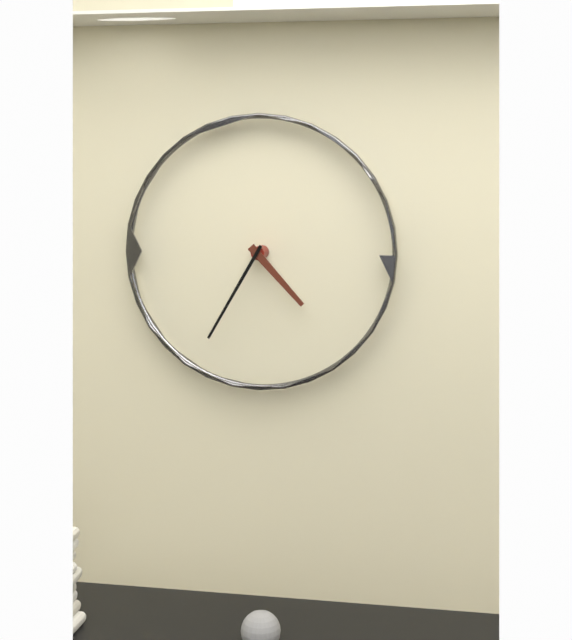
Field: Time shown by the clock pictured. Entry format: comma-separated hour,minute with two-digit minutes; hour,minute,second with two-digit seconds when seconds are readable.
4,35
